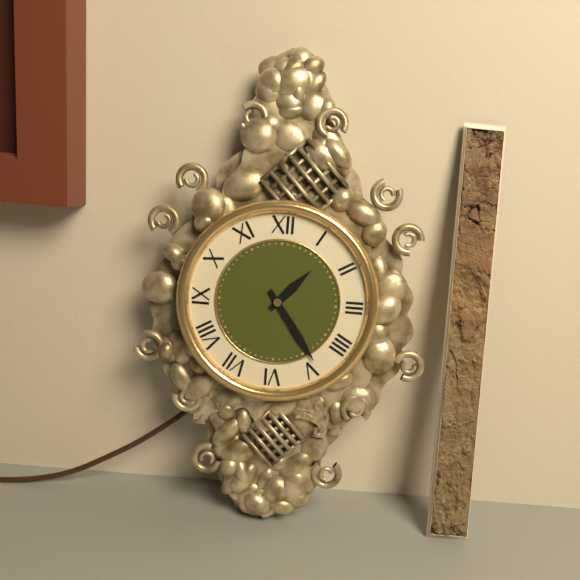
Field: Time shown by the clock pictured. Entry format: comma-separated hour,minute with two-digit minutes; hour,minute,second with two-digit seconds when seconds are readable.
1,24
